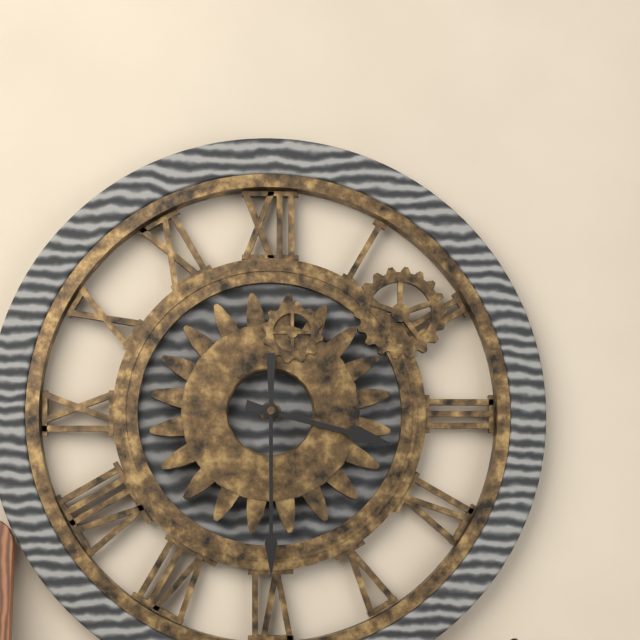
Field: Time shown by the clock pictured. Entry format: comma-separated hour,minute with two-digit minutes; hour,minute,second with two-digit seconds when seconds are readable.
3,30
